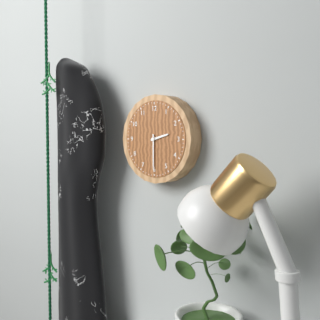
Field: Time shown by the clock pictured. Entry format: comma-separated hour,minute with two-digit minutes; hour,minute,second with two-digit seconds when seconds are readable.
2,30
